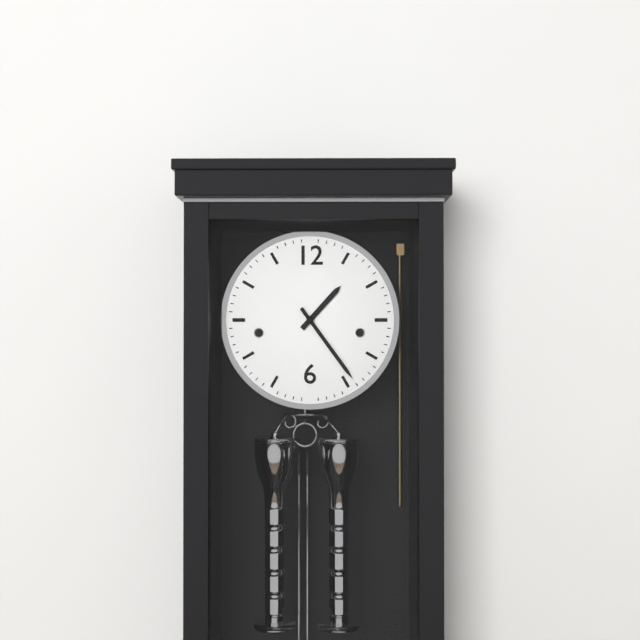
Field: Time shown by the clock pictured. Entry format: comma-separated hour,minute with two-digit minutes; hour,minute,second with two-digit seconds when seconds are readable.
1,24
